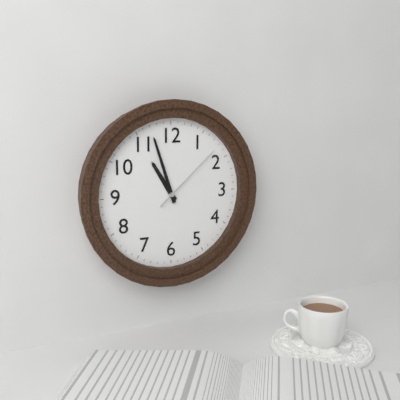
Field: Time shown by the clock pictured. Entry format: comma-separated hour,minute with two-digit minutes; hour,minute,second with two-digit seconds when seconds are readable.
10,57,08
